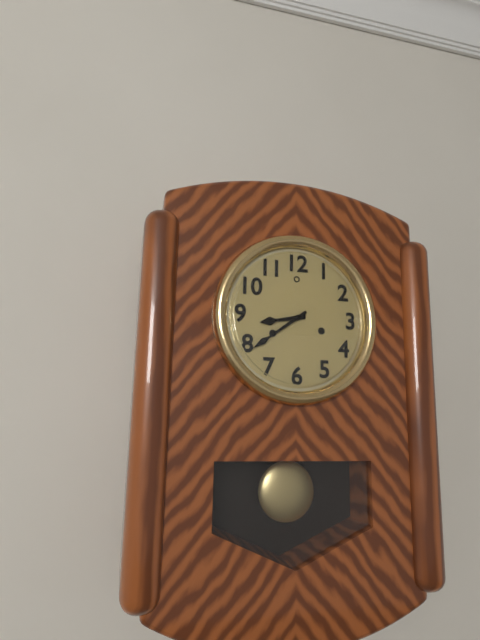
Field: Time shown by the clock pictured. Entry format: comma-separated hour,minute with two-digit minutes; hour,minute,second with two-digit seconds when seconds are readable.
8,39
